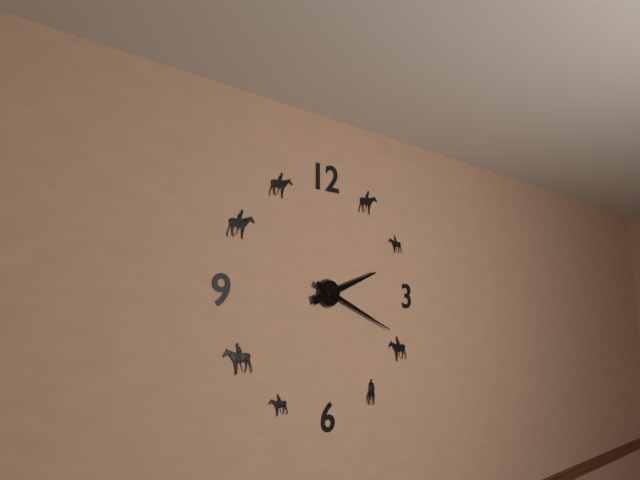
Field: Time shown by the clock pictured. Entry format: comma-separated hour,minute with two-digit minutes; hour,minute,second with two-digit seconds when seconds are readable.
2,19
